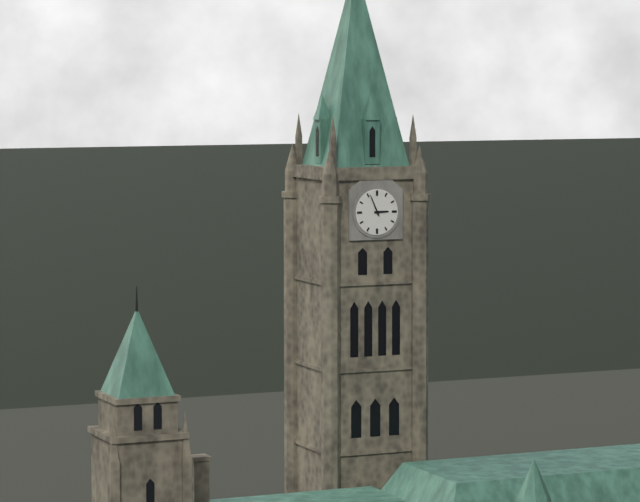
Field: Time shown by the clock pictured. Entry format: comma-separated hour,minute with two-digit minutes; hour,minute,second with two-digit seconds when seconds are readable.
2,56
